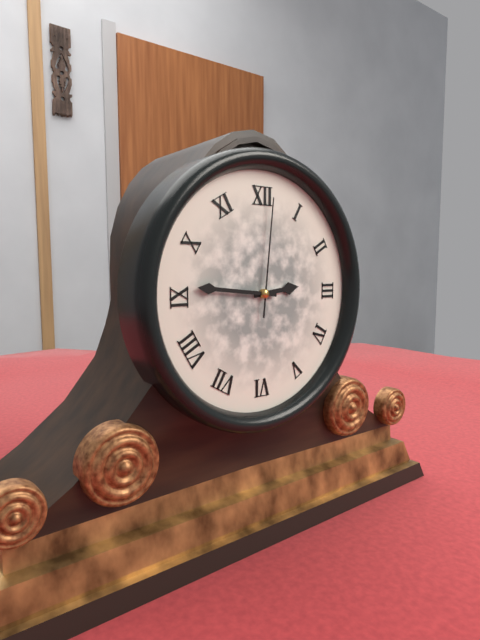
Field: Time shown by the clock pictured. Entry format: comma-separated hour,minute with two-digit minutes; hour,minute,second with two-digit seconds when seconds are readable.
2,46,01
